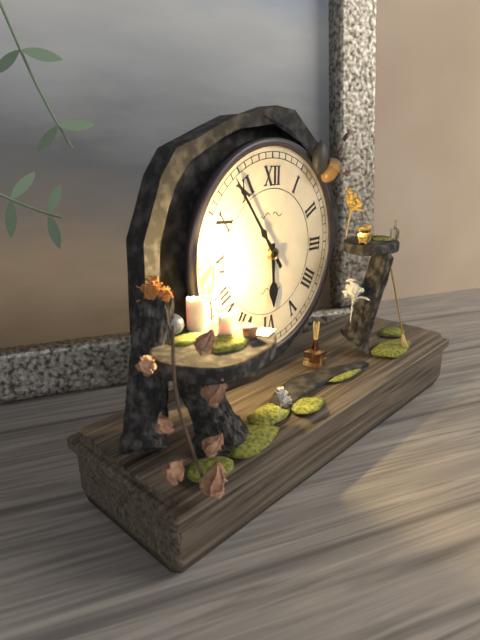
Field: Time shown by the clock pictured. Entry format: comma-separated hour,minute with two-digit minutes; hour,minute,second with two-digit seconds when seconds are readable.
5,54
